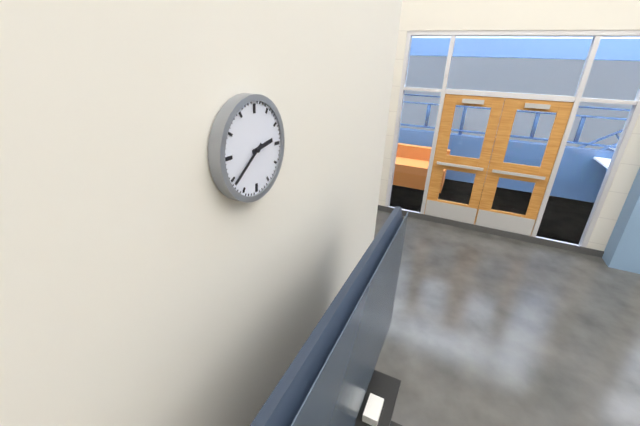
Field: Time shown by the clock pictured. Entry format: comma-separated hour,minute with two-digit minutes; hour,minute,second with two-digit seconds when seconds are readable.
2,39
